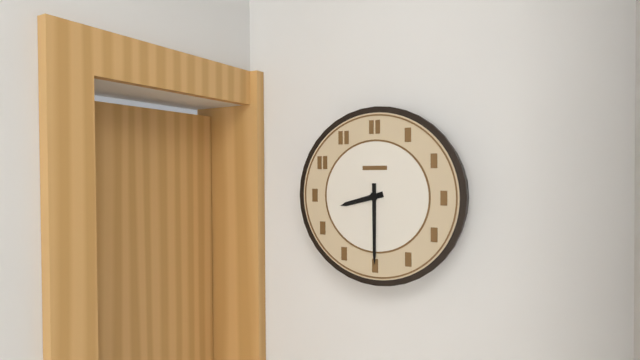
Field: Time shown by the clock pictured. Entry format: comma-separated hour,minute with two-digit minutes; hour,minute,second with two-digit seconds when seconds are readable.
8,30
